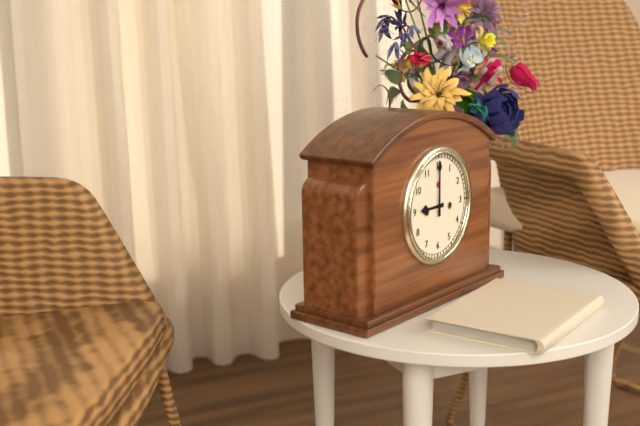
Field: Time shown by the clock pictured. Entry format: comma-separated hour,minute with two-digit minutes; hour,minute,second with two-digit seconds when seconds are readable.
9,00
